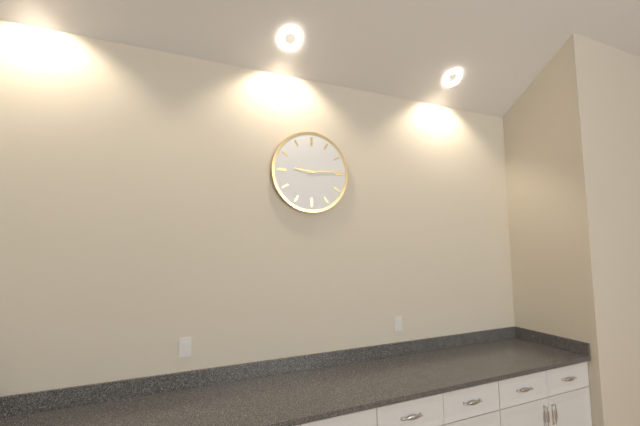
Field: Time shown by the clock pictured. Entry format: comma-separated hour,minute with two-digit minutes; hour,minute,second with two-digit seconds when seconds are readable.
9,14
